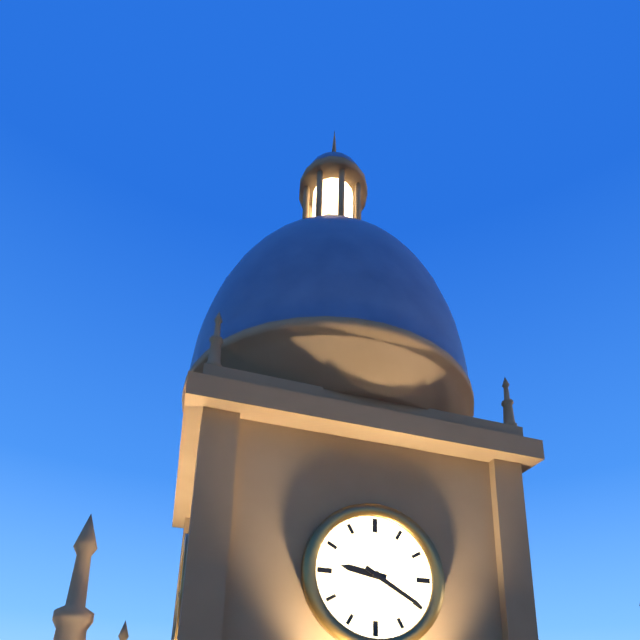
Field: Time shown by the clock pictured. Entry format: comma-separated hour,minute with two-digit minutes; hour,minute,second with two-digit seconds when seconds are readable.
9,20
